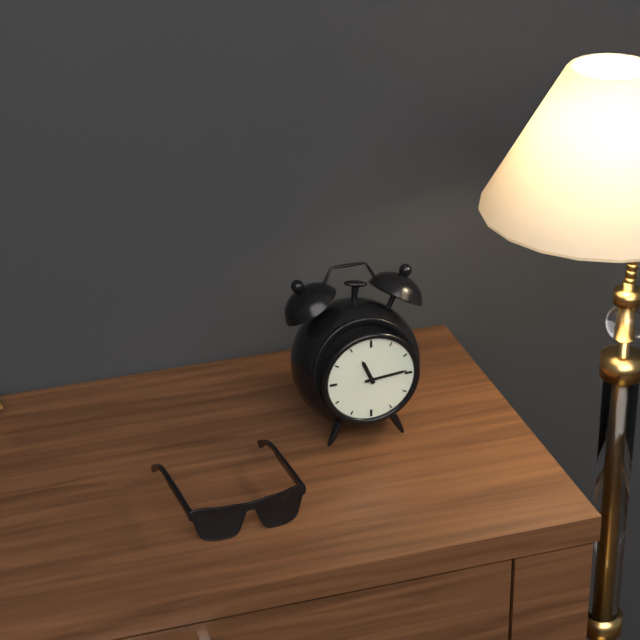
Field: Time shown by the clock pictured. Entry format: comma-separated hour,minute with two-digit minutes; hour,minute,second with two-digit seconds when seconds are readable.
11,14
